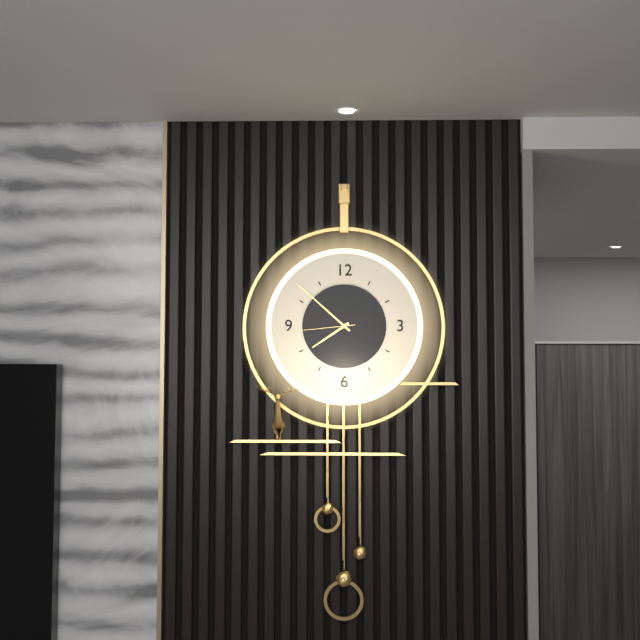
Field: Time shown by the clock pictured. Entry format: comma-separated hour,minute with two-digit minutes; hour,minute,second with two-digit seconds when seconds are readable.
7,52,44
